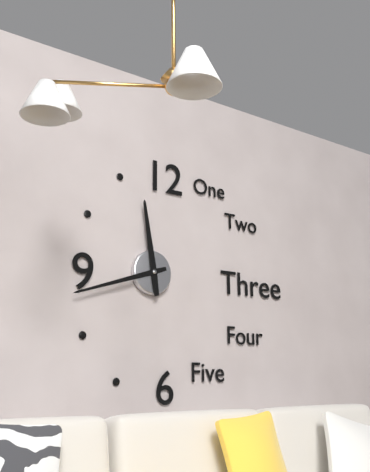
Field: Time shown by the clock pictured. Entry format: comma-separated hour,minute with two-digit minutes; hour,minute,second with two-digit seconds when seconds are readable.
11,42
